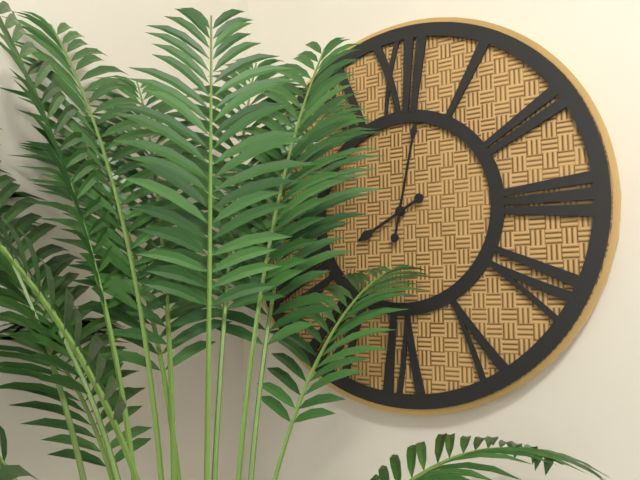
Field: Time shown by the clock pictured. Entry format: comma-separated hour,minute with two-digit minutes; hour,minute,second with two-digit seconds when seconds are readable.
8,02
